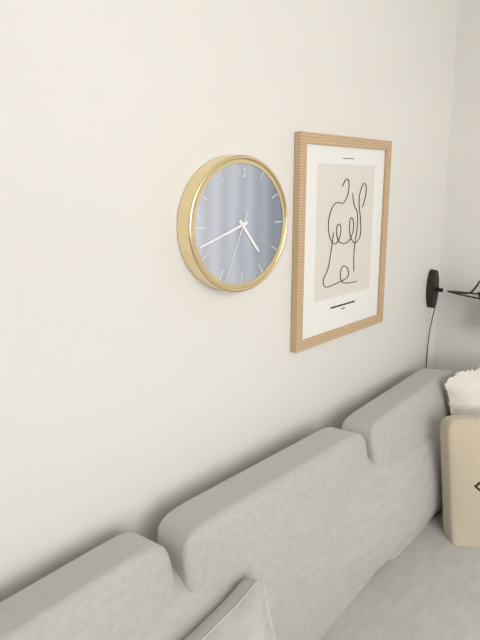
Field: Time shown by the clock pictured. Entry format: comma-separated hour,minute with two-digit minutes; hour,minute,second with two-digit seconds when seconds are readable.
4,42,34
